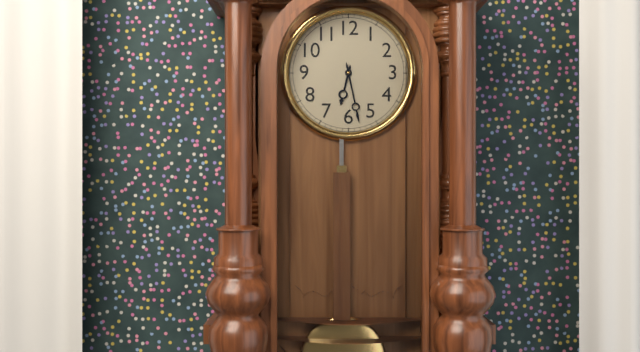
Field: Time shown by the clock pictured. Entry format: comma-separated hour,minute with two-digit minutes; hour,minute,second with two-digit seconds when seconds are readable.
6,28
